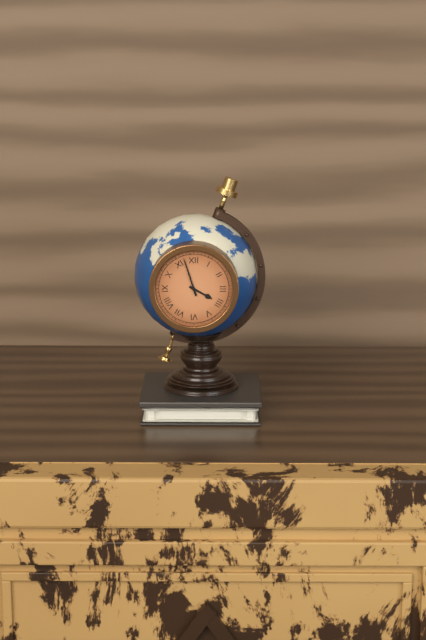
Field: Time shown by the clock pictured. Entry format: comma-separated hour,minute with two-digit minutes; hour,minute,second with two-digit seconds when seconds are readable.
3,57
